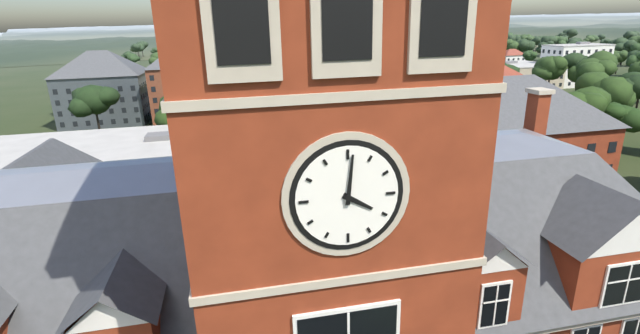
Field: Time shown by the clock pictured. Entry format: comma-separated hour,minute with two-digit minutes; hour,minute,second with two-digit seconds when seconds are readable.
4,01
